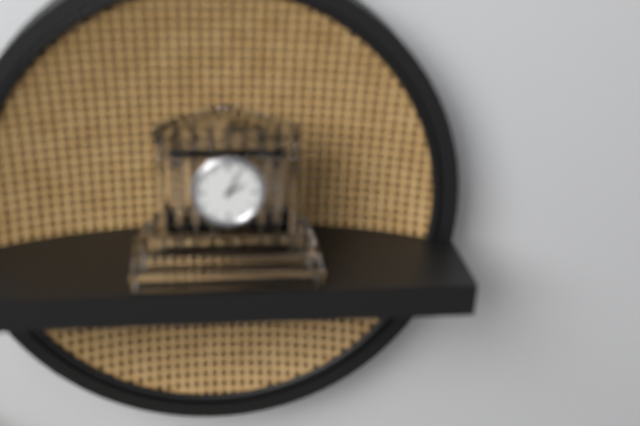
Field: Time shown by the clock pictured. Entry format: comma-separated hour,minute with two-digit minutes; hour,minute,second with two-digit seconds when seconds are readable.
2,04
